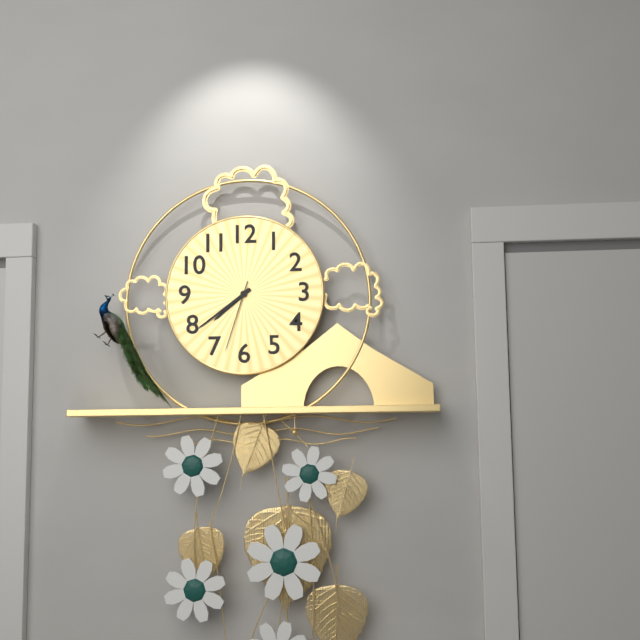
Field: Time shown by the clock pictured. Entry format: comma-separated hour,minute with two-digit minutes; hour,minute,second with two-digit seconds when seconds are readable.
7,39,33
